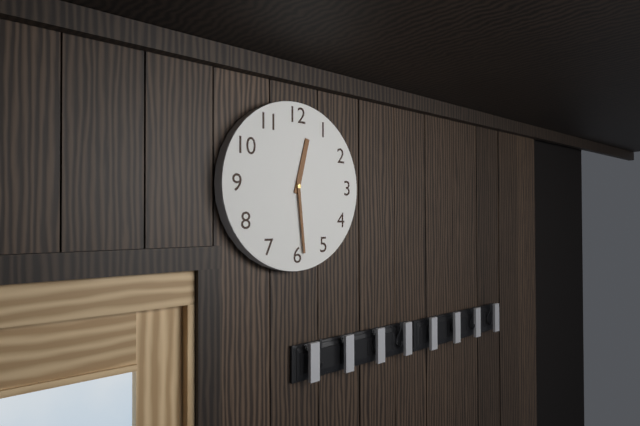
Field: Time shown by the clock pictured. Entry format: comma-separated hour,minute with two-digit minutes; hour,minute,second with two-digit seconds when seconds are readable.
12,29
